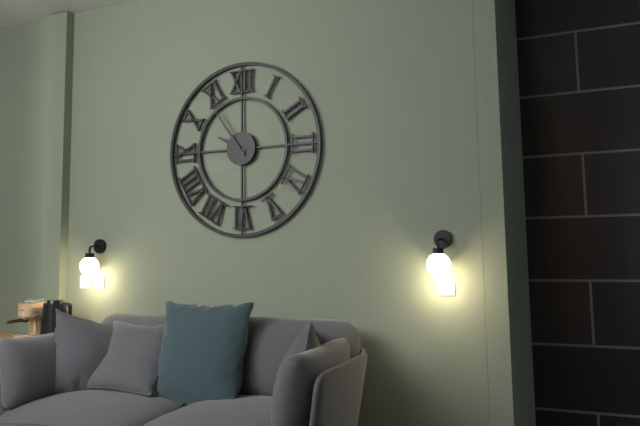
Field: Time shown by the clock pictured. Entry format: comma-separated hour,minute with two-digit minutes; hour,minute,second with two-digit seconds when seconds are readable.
9,54
